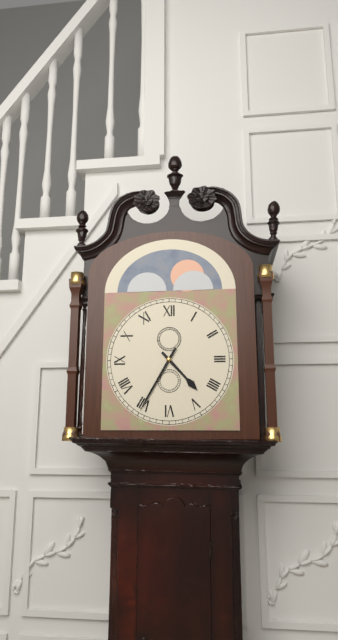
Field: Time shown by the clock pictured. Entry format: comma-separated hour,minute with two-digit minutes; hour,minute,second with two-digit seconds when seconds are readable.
4,35
